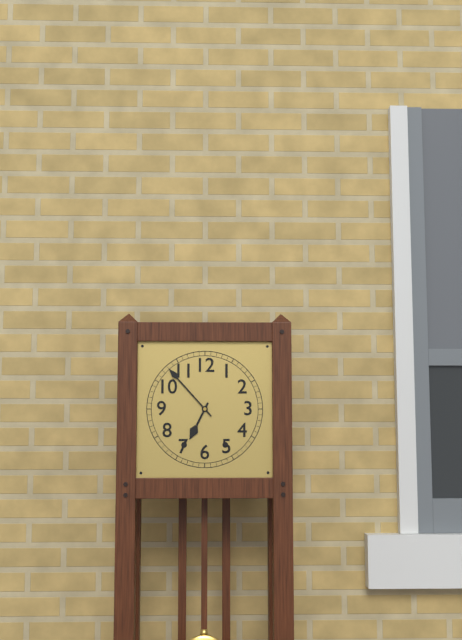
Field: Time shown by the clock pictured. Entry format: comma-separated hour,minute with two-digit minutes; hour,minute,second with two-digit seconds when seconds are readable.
6,53
